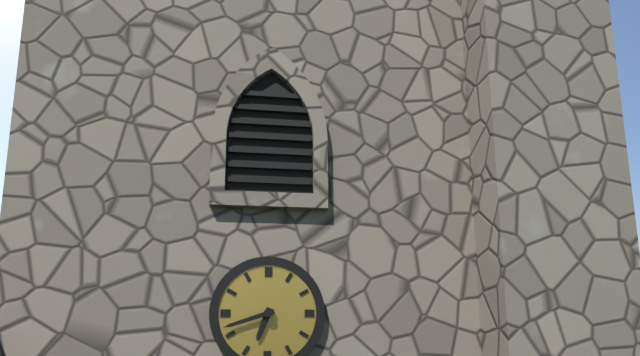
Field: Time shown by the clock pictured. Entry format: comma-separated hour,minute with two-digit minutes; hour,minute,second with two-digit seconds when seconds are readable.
6,42
